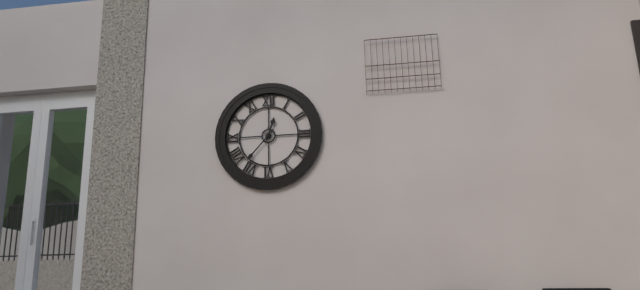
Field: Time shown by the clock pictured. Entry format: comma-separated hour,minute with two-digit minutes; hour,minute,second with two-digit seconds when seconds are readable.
12,37
